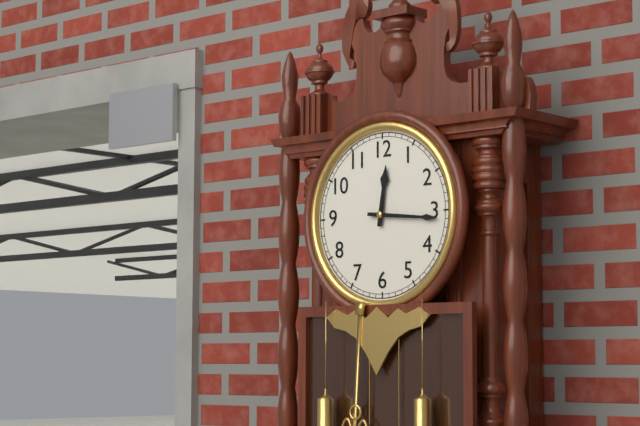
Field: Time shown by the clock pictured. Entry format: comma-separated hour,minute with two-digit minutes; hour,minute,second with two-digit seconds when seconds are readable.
12,16
